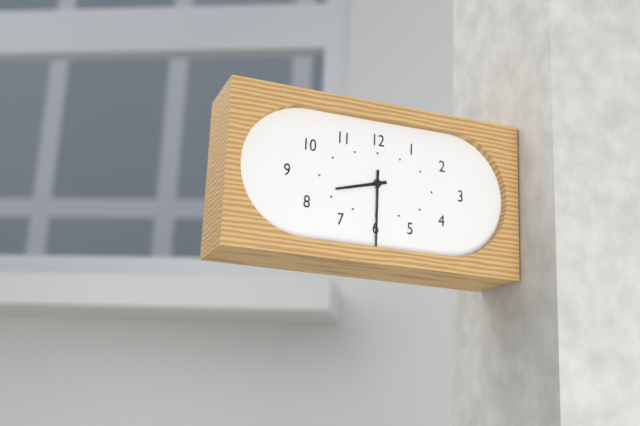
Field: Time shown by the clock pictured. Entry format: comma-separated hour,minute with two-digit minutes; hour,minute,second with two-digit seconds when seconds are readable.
8,30
